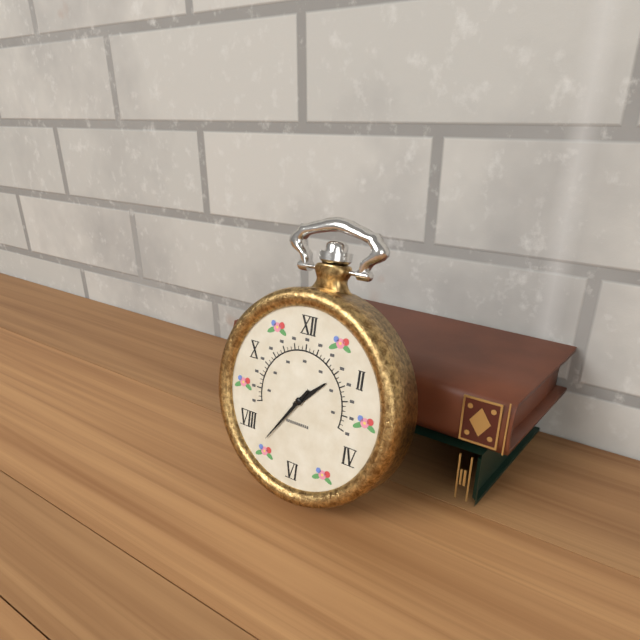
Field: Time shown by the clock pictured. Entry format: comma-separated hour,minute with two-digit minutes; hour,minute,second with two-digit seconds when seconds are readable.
1,36
